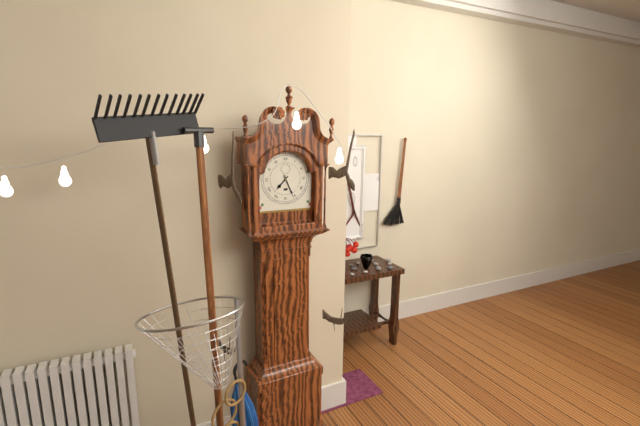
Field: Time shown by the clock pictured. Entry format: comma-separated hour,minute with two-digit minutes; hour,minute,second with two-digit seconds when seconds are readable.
7,26
